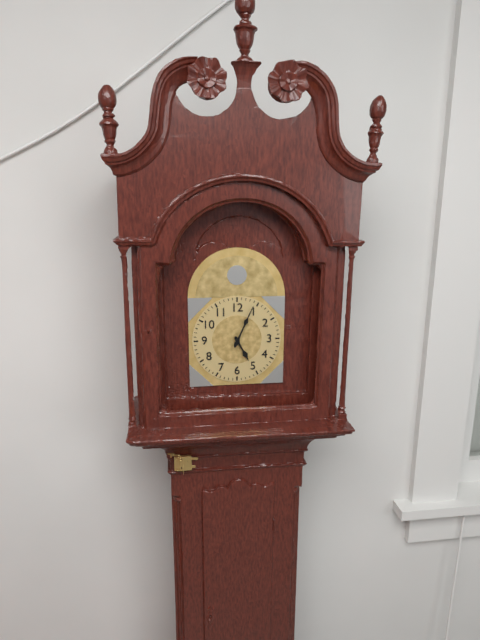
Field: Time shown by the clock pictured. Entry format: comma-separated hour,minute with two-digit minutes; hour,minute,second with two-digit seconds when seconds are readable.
5,04
